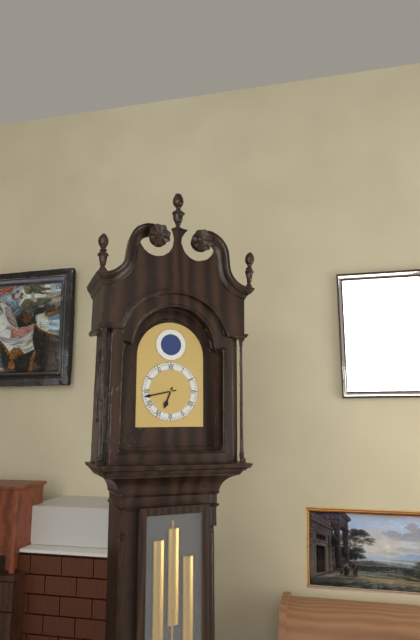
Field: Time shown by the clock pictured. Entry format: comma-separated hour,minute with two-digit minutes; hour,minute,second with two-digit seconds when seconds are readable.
6,43
